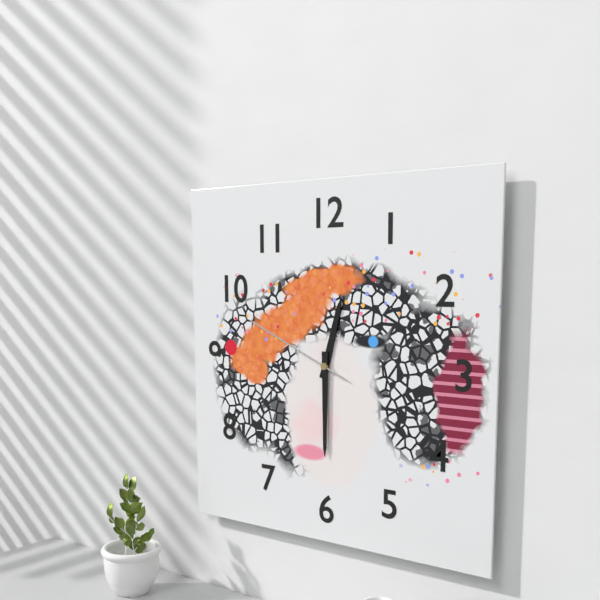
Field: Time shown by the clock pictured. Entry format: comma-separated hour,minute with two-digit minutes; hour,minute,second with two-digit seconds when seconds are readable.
12,30,49
